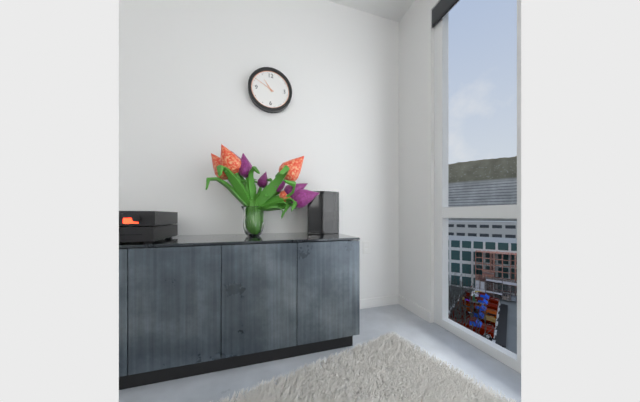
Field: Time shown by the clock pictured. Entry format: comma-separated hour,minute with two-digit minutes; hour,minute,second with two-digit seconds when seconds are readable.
10,50
